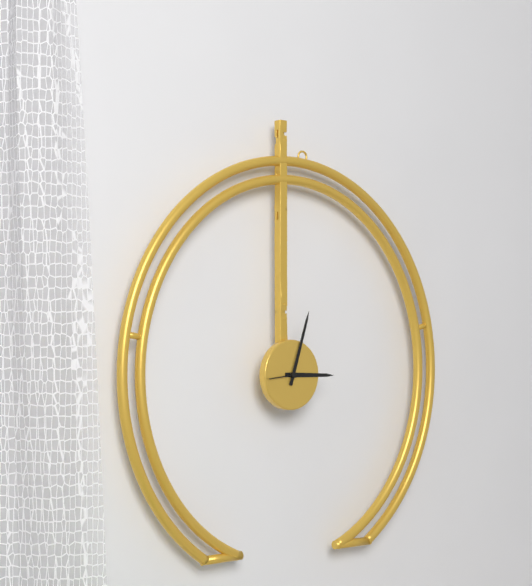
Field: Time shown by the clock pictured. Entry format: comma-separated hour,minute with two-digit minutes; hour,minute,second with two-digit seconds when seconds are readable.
3,03
